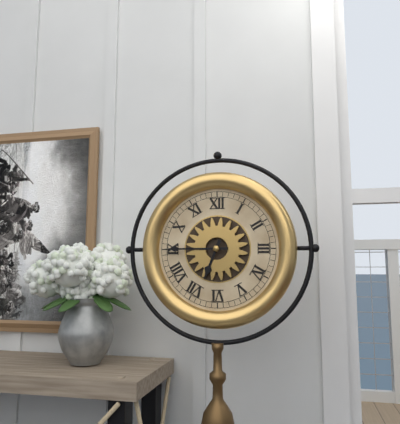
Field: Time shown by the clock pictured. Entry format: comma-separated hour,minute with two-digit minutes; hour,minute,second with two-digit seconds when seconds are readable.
6,45
